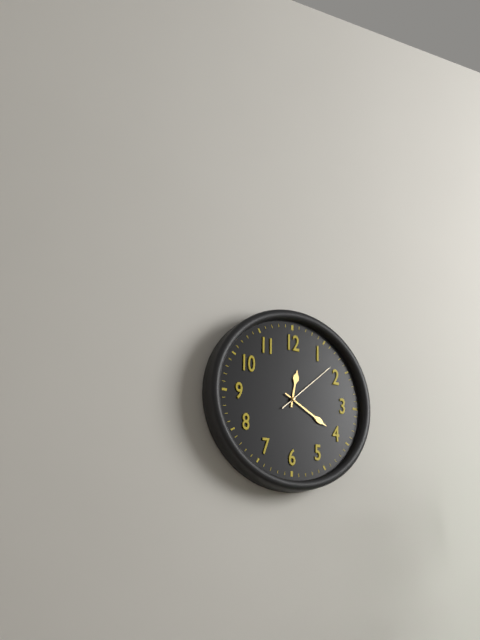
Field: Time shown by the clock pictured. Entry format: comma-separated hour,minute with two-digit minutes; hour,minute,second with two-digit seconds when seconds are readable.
12,20,08
